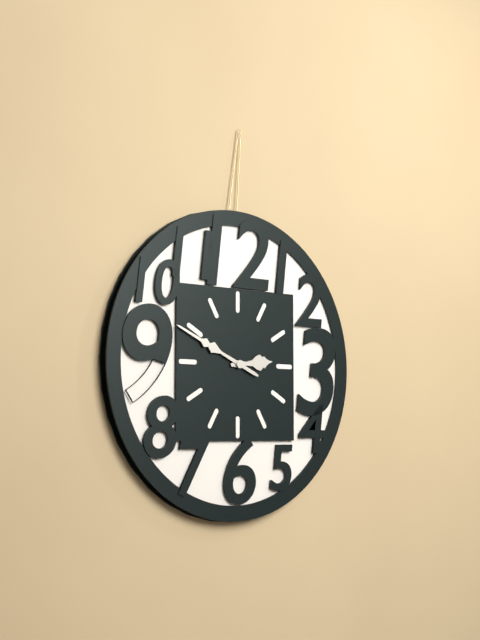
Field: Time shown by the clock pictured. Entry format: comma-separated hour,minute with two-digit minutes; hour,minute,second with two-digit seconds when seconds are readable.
2,49
